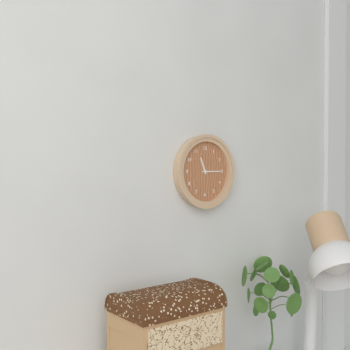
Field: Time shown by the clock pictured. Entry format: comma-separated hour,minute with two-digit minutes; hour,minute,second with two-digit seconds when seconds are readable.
11,15
